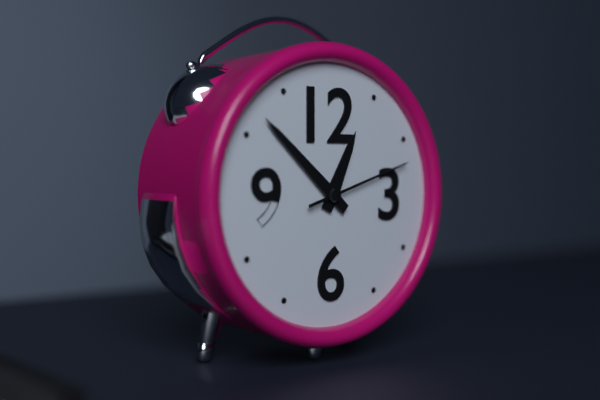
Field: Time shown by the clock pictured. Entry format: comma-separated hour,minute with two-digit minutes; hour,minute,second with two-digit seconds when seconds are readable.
12,52,12
